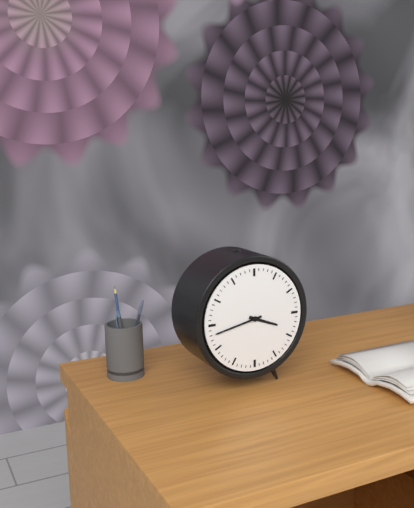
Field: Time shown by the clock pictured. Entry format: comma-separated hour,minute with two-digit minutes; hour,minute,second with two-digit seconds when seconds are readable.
3,43
